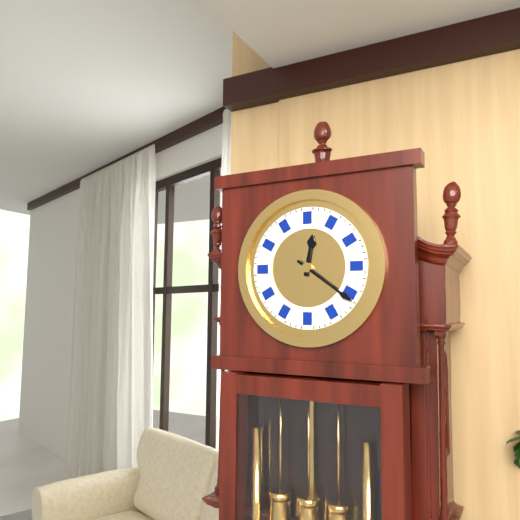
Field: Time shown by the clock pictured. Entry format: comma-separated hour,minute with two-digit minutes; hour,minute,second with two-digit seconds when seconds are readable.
12,21
